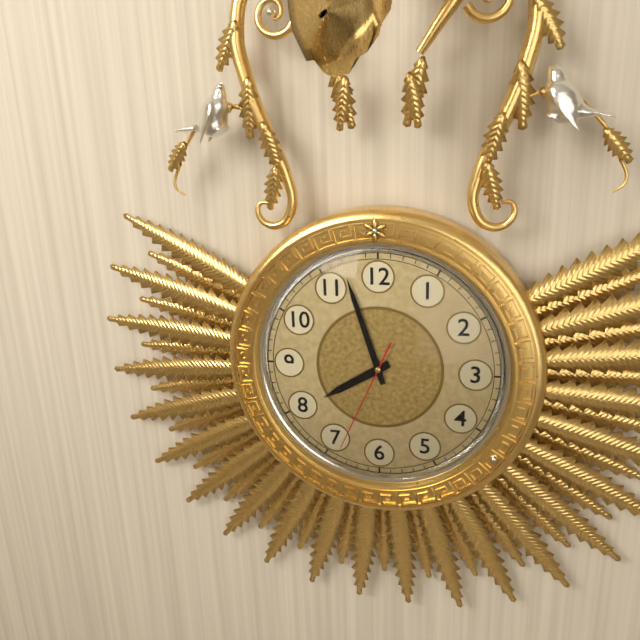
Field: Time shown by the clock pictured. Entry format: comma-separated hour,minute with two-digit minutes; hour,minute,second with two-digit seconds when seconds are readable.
7,57,34
